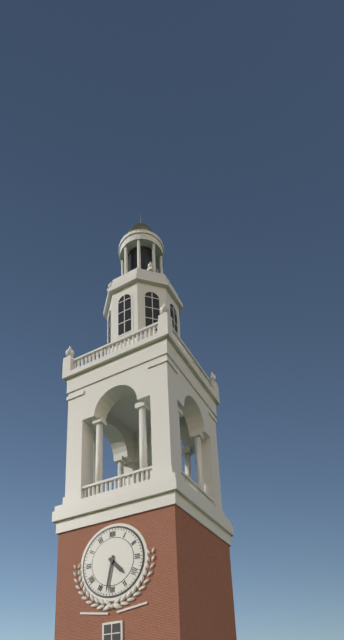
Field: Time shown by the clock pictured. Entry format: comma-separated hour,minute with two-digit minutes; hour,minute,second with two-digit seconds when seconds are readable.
4,32
